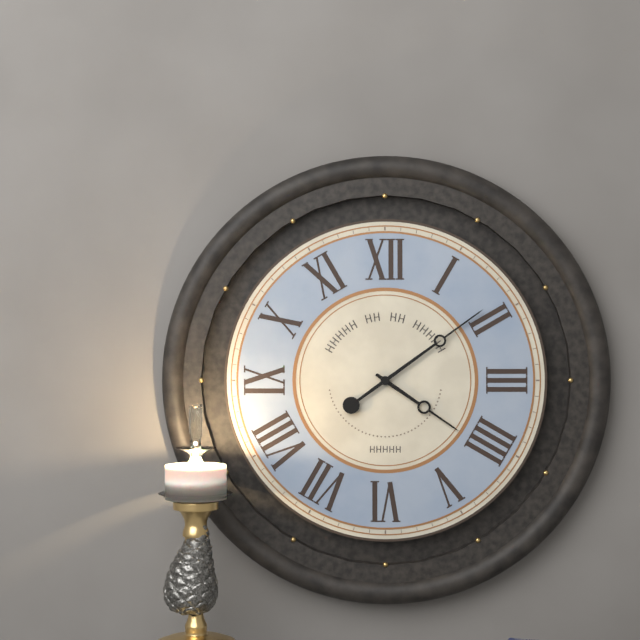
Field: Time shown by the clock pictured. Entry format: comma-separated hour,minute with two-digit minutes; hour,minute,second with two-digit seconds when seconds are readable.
4,09
